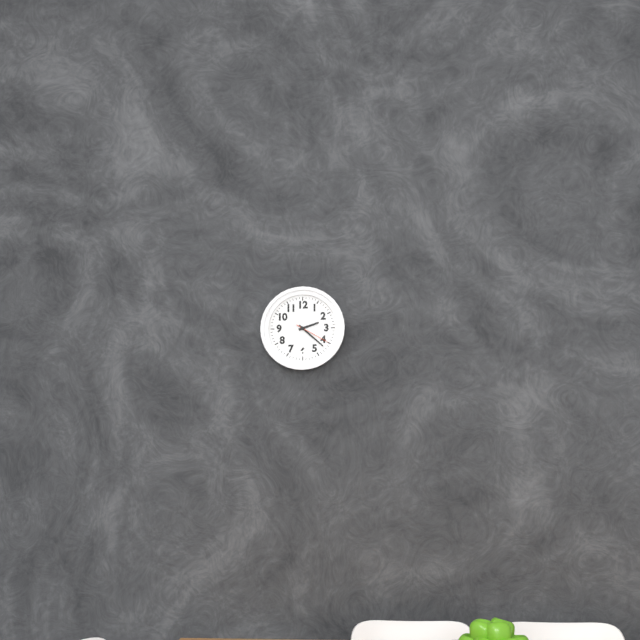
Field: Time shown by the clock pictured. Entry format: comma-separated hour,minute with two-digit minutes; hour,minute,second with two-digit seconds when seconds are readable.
2,22
